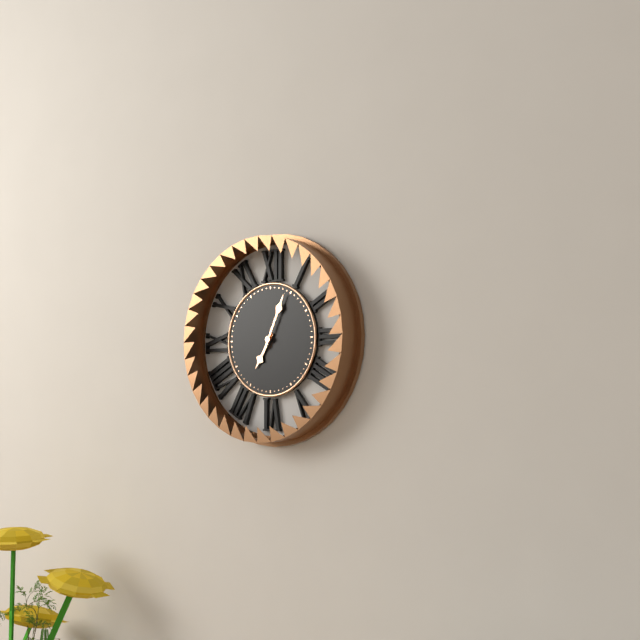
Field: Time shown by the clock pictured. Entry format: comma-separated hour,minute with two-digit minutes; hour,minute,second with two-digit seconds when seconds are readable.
7,04
